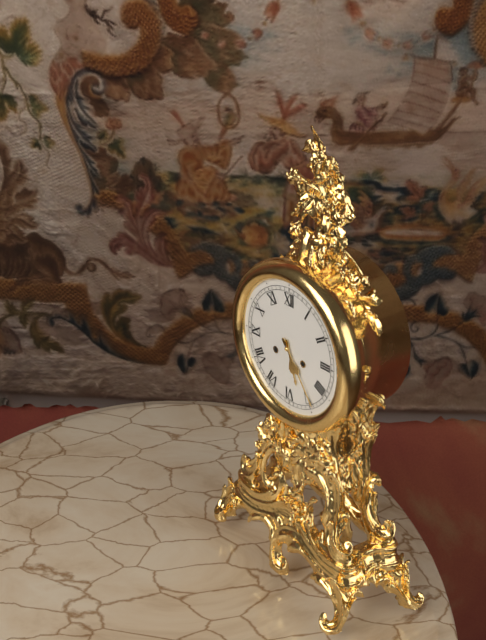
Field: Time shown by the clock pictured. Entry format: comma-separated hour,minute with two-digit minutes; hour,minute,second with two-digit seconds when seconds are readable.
5,24
